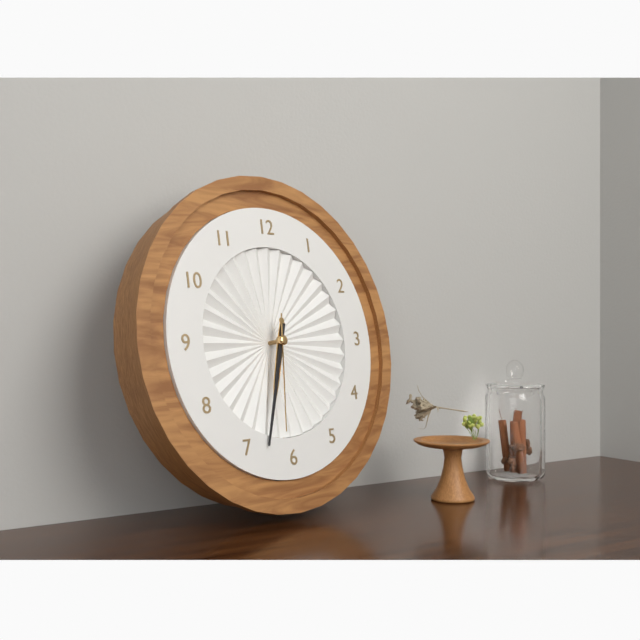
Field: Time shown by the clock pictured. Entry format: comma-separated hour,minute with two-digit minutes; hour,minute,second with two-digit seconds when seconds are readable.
6,33,31
